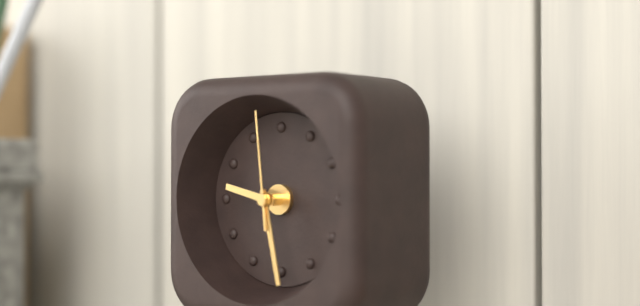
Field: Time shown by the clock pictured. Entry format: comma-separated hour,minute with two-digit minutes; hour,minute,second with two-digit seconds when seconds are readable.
9,28,59
